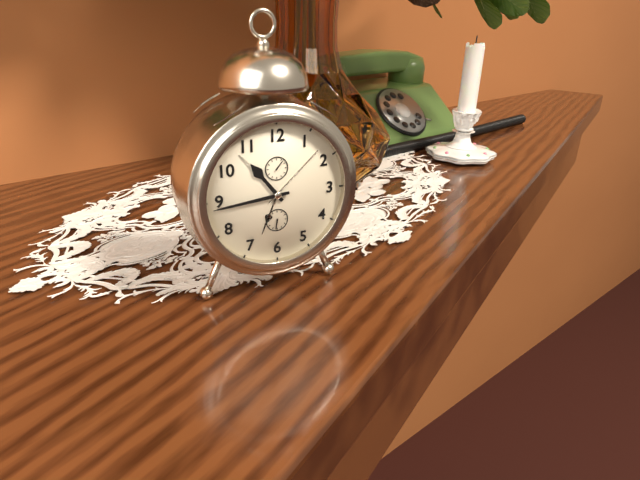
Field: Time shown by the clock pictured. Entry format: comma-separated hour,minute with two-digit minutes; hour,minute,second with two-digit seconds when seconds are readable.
10,44
